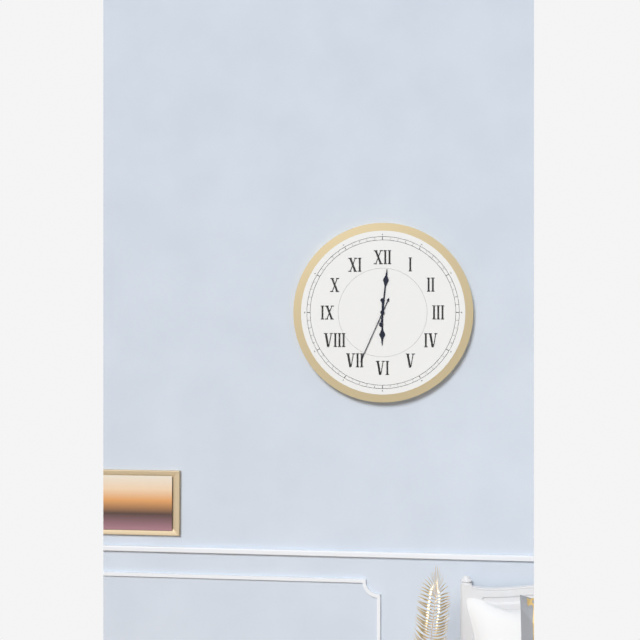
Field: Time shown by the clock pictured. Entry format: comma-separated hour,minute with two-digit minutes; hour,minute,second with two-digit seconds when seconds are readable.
6,01,34
